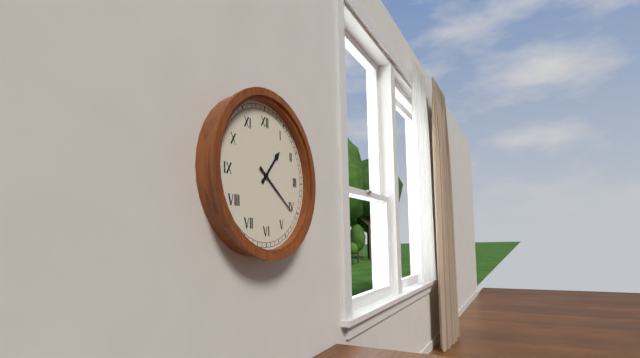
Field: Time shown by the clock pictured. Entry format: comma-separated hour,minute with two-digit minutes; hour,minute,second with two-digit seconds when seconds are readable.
1,21
